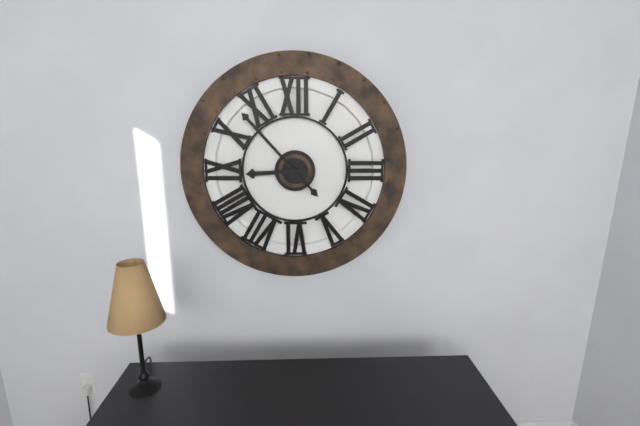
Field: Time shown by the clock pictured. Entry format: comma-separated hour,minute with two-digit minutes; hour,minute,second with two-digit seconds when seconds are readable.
8,53
